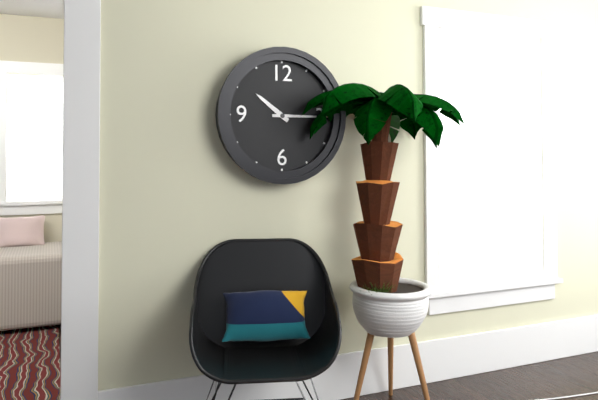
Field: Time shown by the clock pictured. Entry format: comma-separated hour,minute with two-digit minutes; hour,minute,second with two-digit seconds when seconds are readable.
10,15
